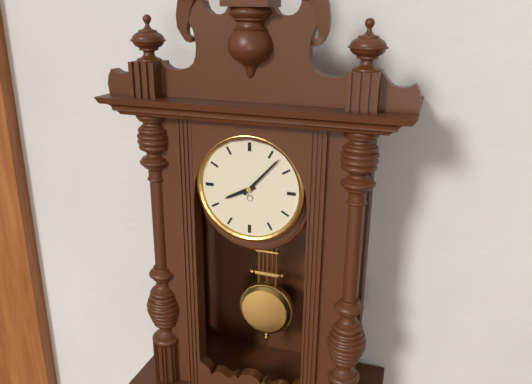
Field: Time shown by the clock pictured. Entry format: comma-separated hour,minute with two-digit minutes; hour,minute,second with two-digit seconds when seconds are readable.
8,07
